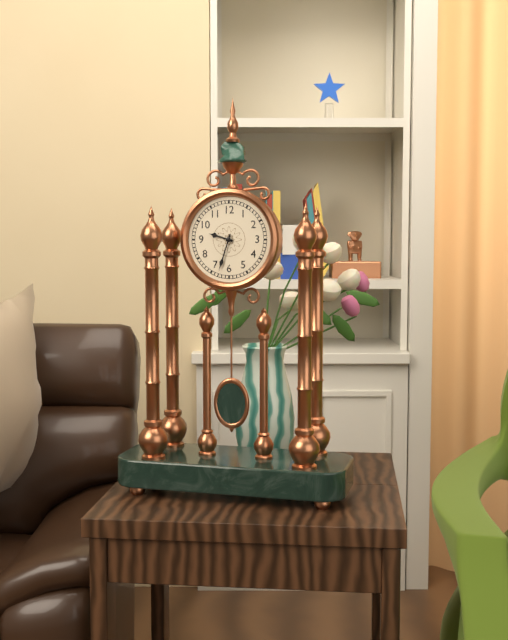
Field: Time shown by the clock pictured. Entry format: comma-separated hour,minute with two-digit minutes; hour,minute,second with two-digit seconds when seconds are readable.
9,33
